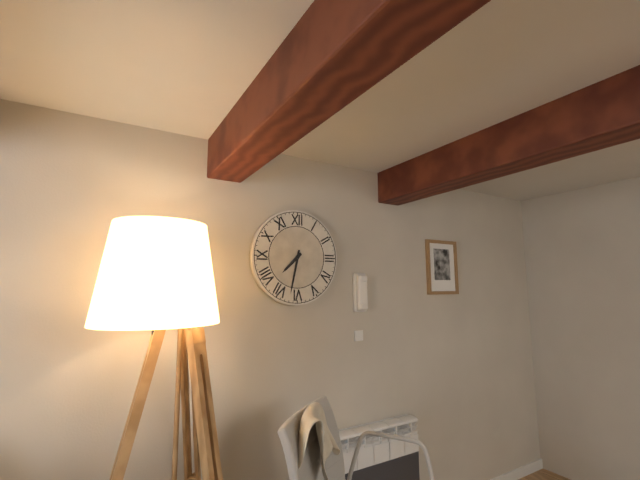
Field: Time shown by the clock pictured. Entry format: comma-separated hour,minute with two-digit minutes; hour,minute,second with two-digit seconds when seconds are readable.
7,32
